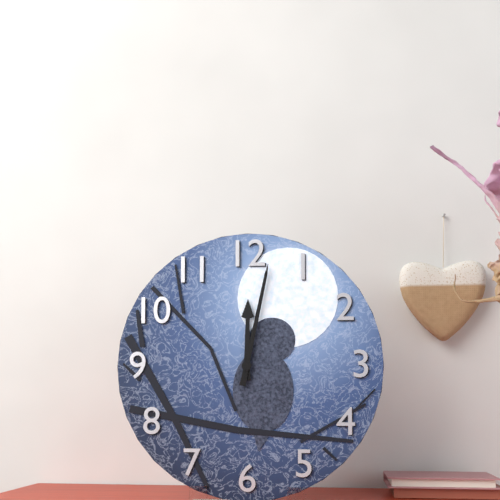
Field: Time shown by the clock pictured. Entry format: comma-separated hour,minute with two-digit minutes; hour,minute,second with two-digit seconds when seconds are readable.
12,02
